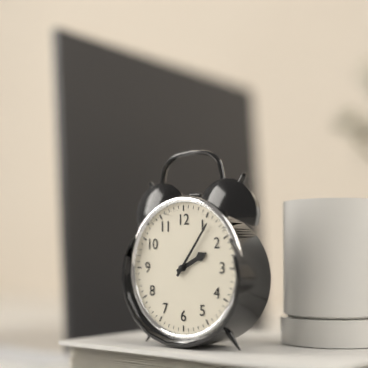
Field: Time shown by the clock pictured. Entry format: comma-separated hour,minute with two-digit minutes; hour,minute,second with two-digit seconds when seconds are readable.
2,06
